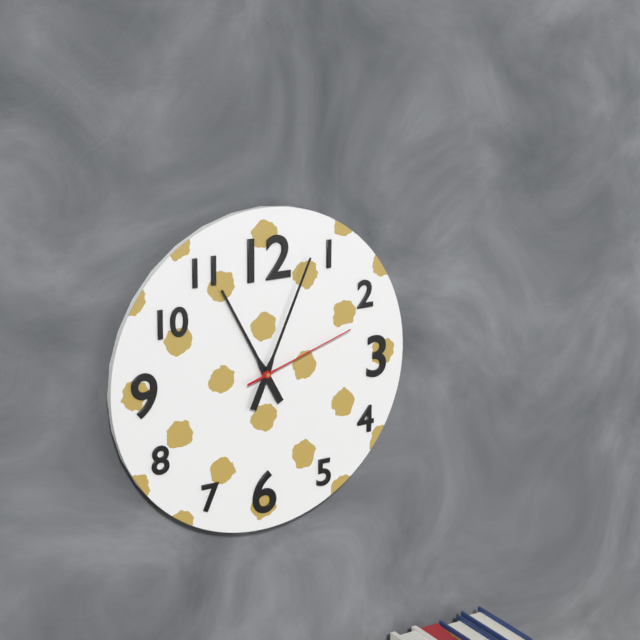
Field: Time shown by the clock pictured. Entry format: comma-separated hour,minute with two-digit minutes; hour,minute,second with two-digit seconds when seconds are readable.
11,04,12
